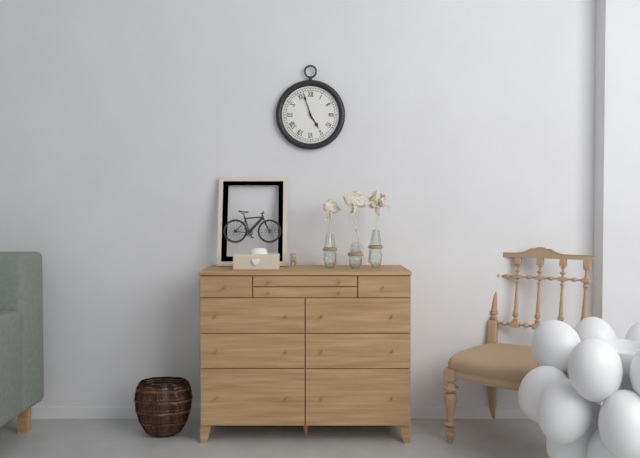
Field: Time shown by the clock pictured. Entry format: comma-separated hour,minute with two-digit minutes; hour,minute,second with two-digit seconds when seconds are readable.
4,57
